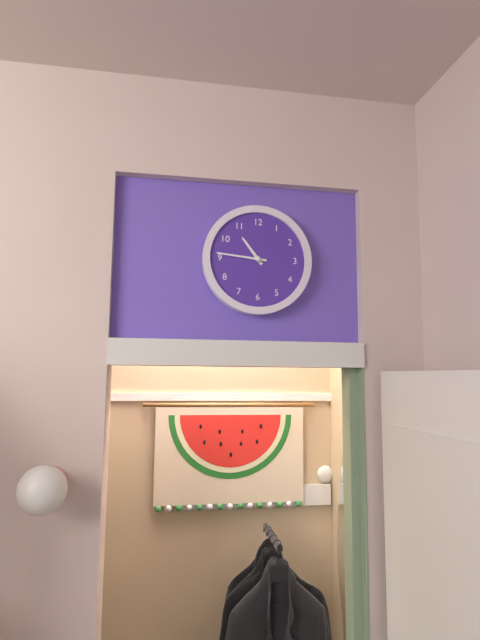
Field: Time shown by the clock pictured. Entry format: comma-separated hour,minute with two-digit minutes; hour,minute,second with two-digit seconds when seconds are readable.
10,46
